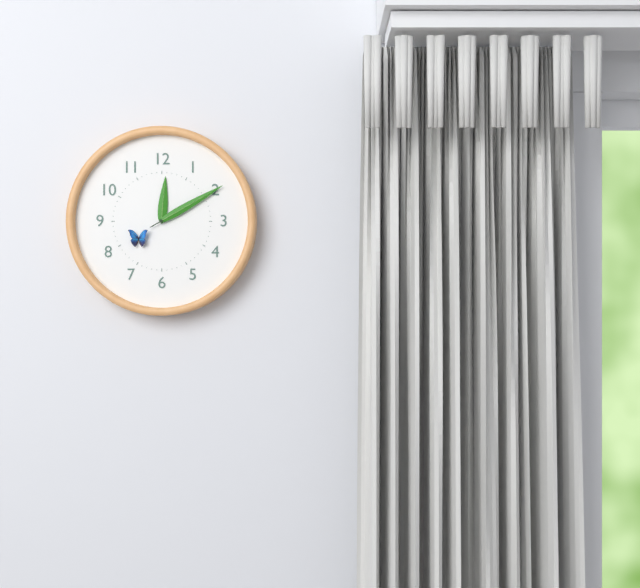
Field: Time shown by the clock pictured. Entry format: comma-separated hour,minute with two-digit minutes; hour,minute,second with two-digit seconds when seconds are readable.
12,10
